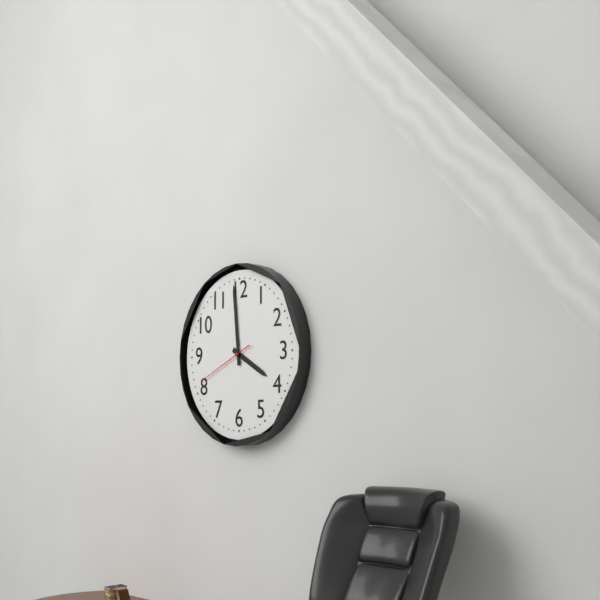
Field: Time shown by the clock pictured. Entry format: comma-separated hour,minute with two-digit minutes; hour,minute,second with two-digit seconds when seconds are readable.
3,59,41
